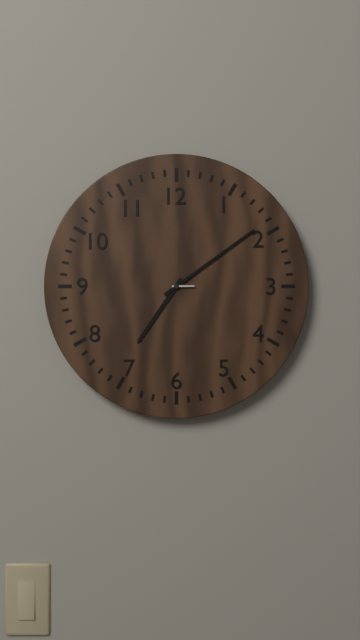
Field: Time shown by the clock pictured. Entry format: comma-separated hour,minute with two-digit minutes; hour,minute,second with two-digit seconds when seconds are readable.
7,09
